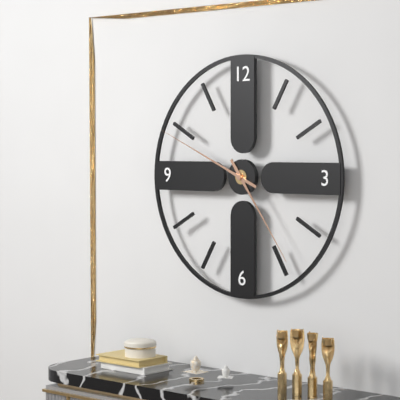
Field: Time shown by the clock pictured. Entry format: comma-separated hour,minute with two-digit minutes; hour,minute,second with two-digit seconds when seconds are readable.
4,49
